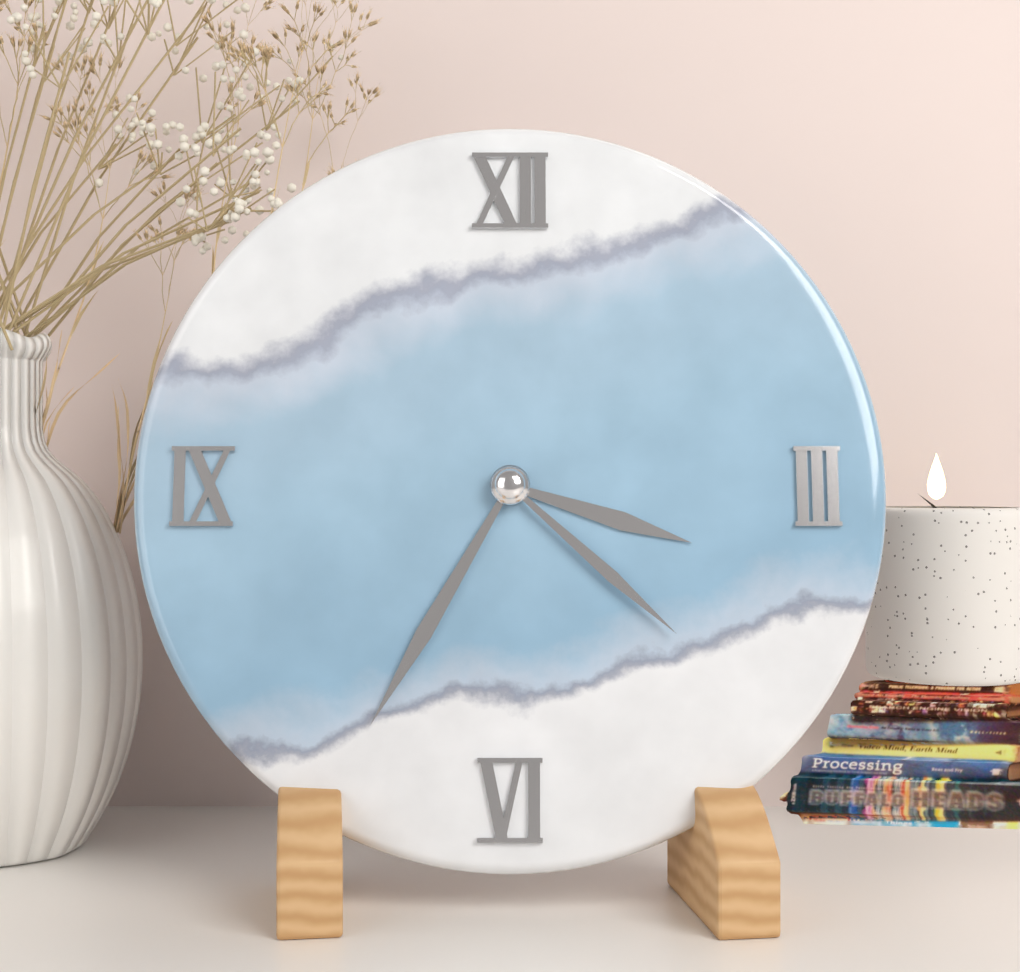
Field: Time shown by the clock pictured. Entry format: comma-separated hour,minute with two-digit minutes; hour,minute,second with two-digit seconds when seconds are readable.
3,35,22
